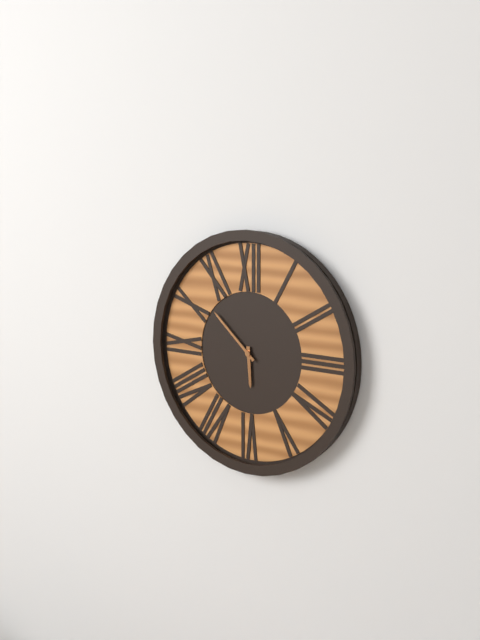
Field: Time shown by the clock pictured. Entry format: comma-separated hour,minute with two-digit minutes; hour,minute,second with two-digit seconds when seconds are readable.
5,52
